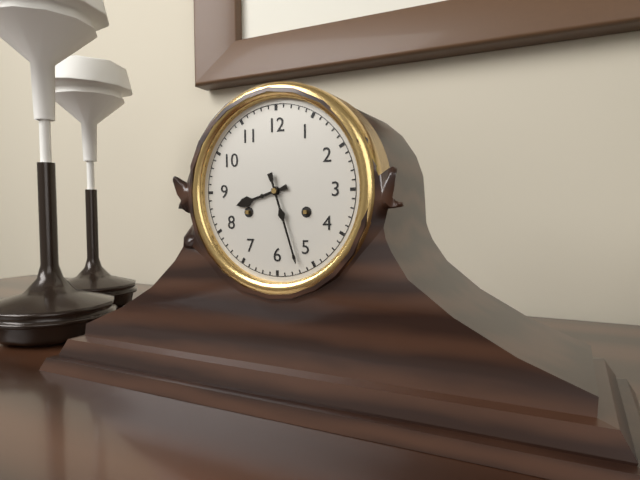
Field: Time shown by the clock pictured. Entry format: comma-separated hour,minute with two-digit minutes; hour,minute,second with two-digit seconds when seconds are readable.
8,27
